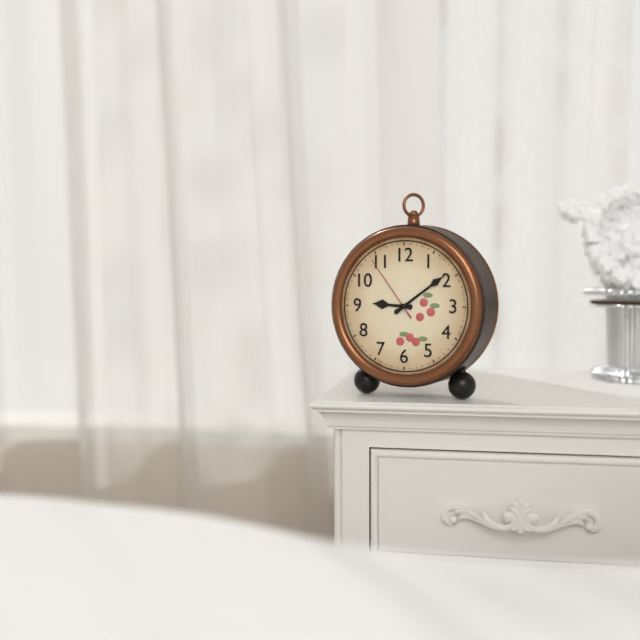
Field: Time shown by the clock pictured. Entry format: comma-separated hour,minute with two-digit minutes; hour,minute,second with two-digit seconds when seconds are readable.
9,09,54
